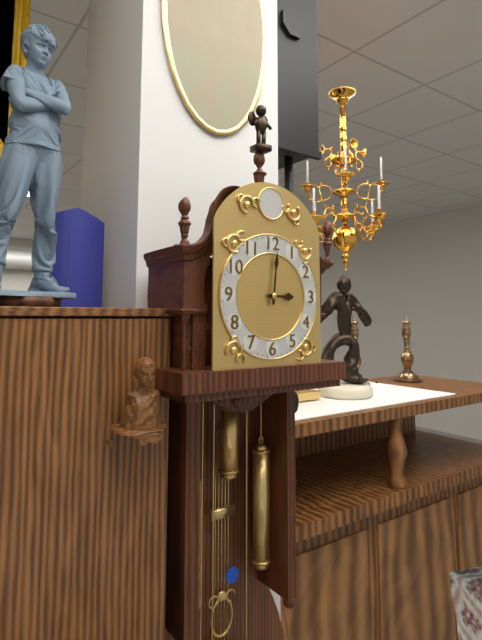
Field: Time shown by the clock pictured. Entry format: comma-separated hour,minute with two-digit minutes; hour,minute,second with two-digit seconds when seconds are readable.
3,01
